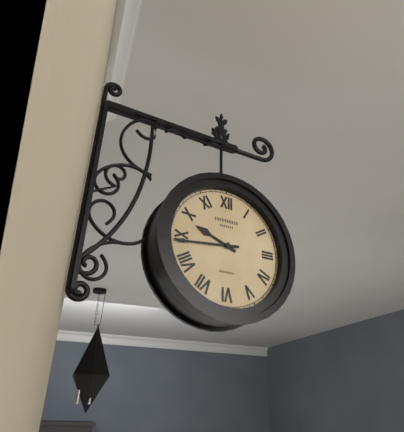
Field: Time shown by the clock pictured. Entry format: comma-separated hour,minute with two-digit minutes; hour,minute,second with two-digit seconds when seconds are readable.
9,44
